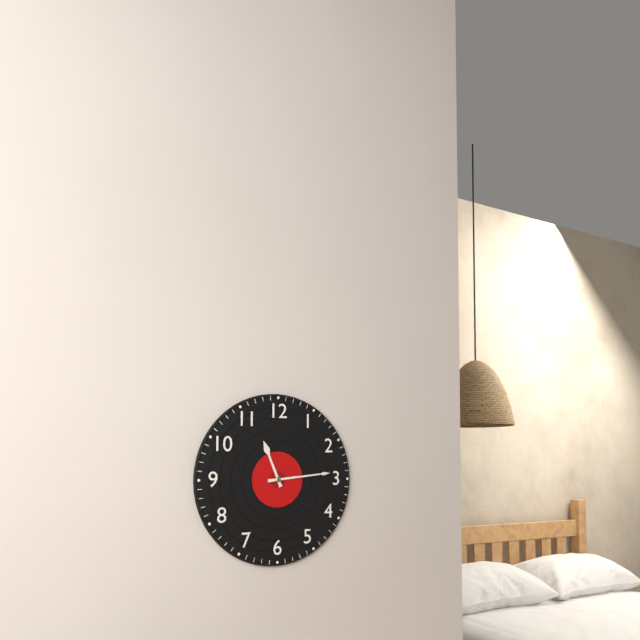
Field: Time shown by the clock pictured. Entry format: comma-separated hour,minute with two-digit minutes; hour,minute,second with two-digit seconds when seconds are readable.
11,14
